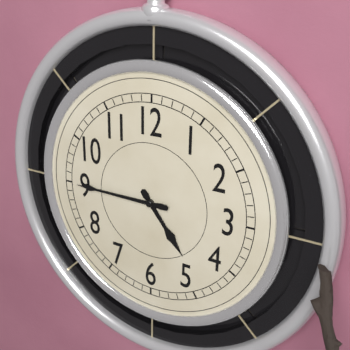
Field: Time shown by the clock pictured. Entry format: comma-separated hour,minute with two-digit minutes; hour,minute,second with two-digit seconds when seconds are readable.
4,45
